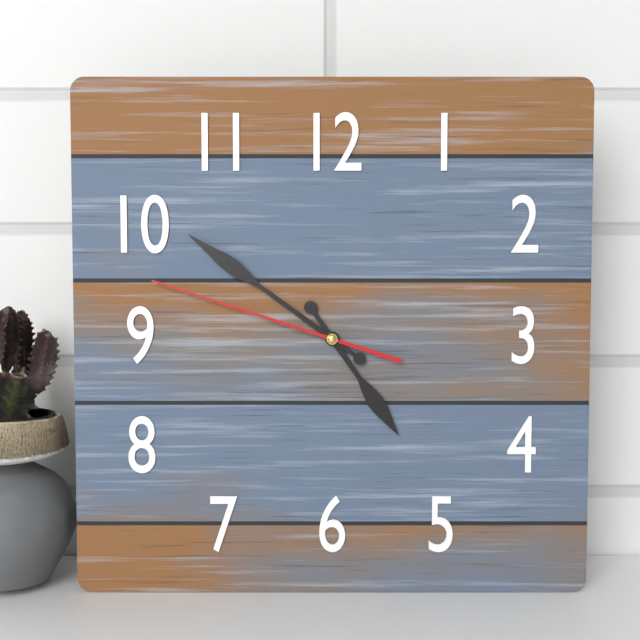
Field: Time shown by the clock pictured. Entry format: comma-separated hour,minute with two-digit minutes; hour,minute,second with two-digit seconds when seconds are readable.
4,51,48
